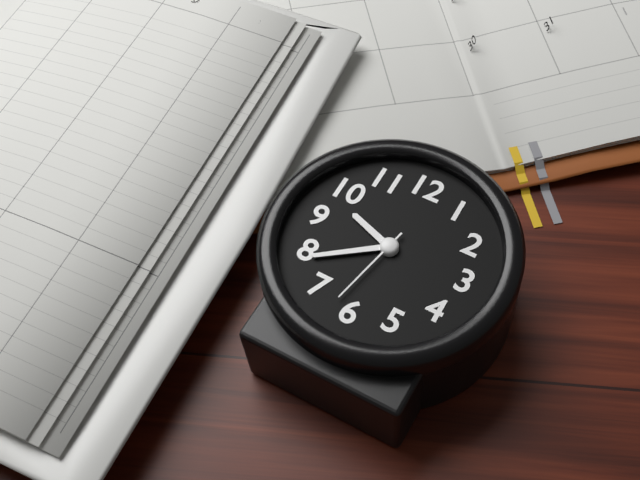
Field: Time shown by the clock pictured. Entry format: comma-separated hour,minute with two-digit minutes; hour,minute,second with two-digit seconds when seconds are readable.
9,39,32
